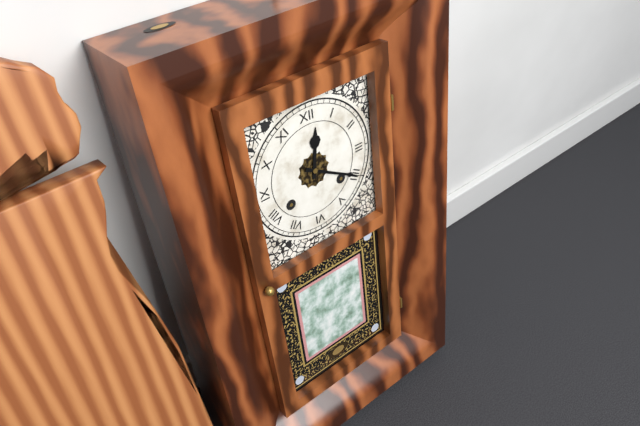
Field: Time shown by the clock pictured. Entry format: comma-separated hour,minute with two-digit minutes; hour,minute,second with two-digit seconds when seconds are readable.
12,20
